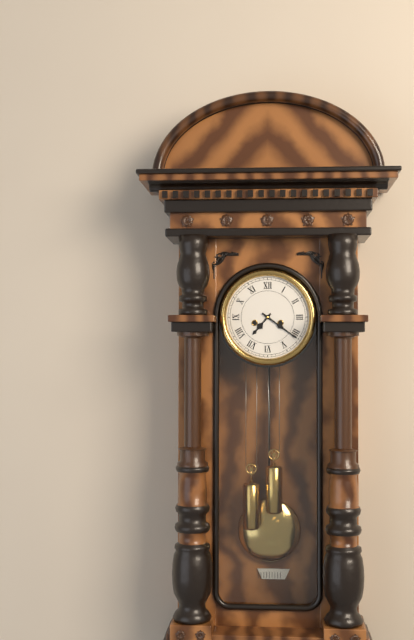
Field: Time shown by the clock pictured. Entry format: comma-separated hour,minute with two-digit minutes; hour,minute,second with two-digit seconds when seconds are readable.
7,21
